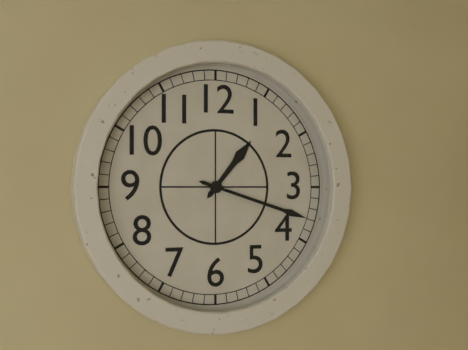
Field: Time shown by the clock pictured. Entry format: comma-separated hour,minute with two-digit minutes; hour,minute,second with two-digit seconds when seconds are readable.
1,18
